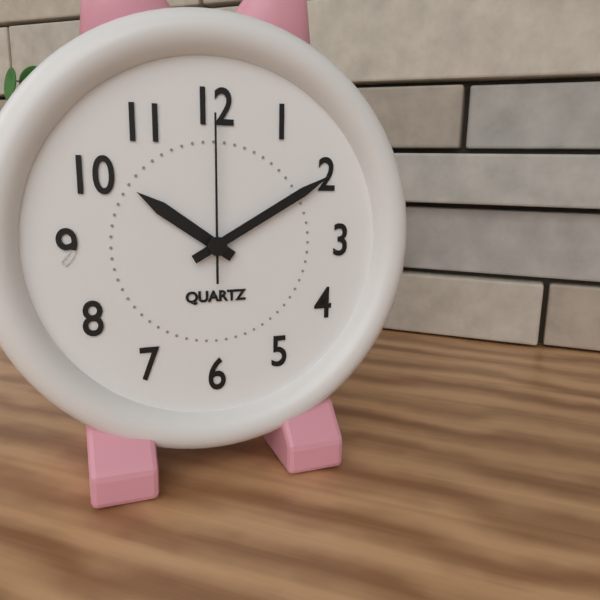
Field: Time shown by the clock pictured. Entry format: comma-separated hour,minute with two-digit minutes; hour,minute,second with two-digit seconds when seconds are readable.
10,10,00
